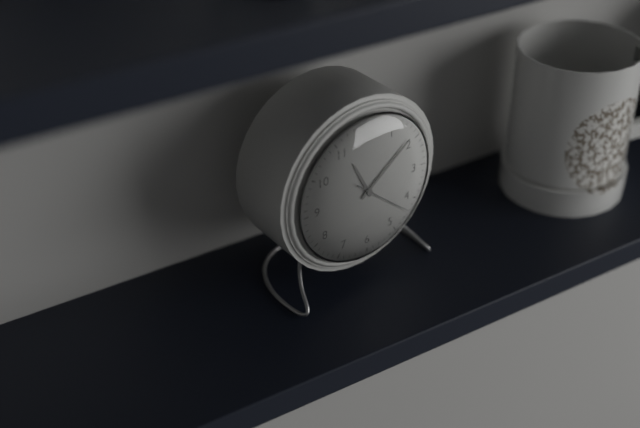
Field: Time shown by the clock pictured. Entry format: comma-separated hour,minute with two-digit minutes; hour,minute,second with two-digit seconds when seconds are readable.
11,09,22
